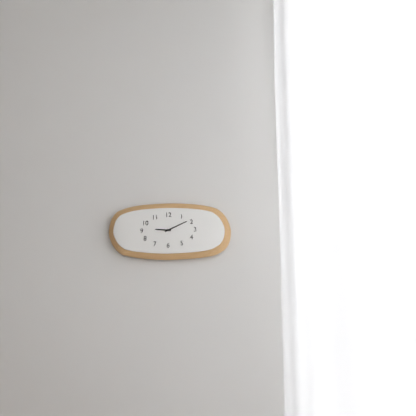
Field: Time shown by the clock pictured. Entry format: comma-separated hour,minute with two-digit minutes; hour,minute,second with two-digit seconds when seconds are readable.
9,11
